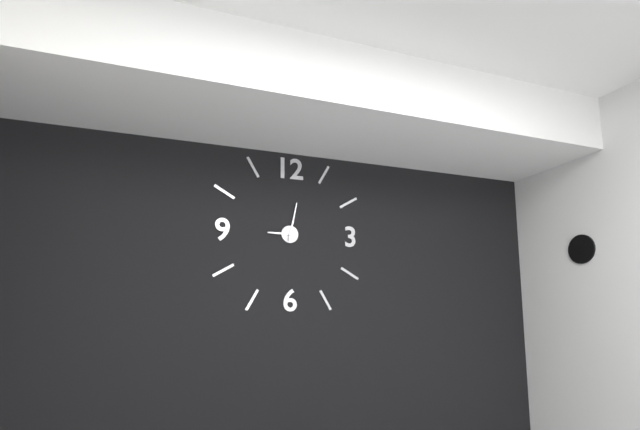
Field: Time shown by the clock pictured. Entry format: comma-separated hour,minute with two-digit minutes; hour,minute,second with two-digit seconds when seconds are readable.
9,02
